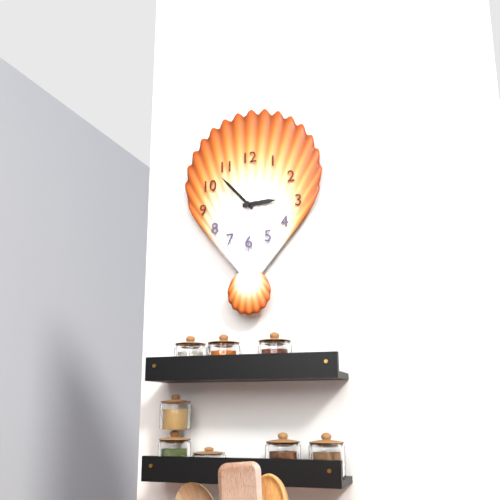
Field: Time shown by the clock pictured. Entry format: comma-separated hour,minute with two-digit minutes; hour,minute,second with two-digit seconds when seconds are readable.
2,53
